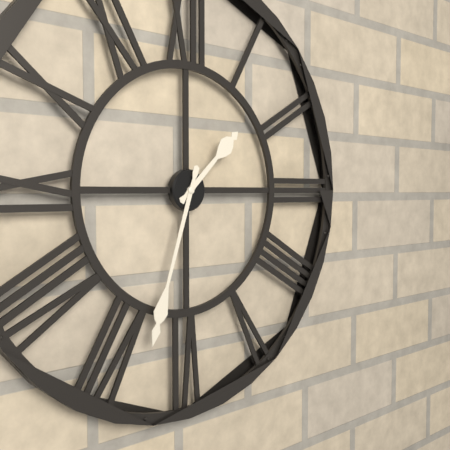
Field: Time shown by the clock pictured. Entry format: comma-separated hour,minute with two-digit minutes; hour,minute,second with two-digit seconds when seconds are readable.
1,33
